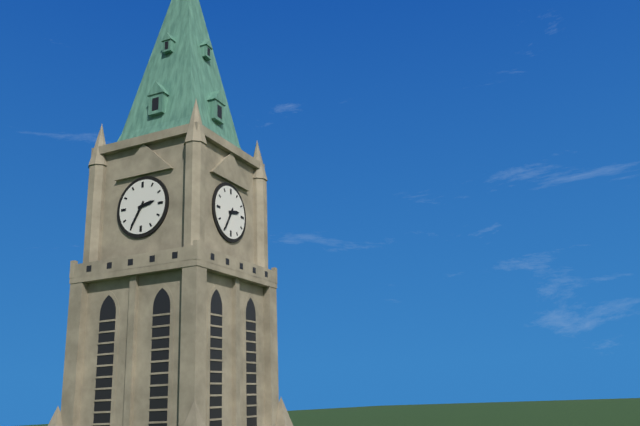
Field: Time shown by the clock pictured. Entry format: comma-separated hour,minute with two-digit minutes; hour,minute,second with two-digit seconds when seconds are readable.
2,35
